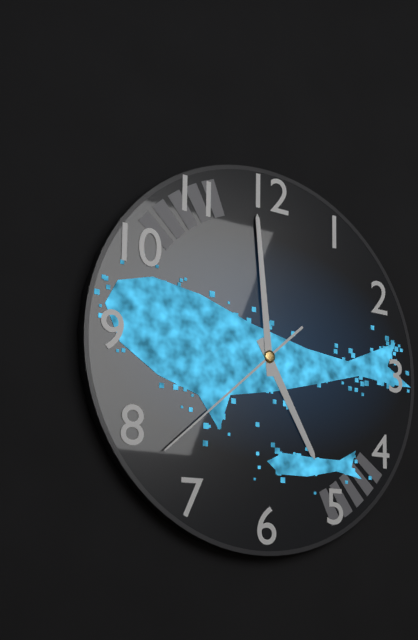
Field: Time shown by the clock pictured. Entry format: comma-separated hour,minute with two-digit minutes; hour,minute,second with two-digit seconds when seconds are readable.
4,59,38
